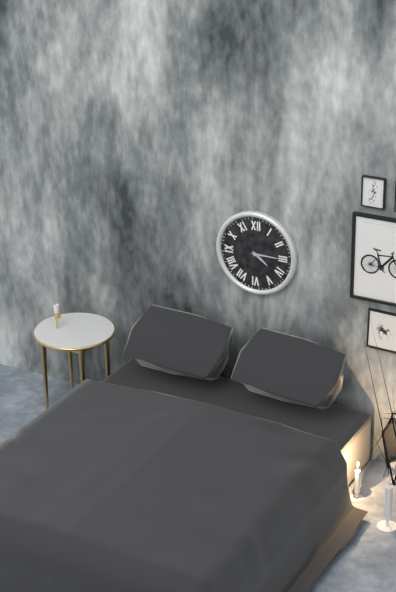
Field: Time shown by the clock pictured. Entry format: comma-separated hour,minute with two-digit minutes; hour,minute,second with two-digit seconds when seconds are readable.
4,15
